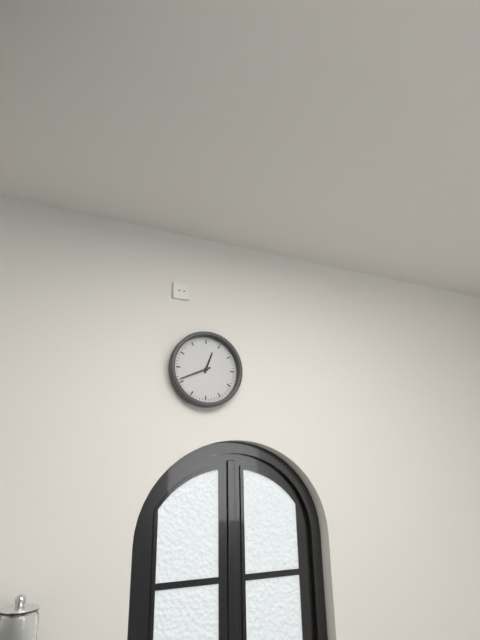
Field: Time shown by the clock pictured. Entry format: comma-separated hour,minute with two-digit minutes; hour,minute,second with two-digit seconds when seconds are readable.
12,41
